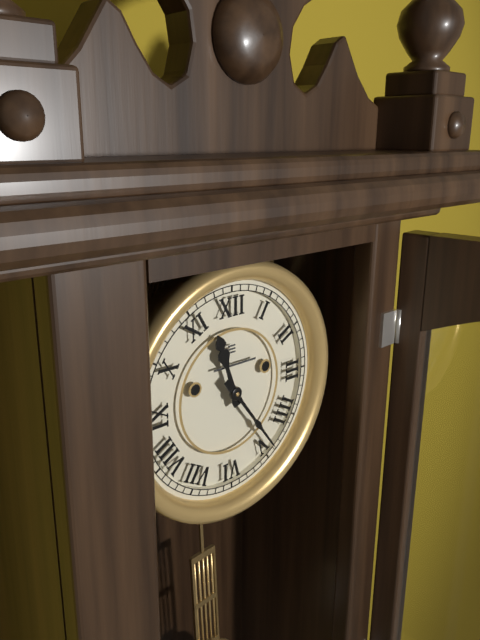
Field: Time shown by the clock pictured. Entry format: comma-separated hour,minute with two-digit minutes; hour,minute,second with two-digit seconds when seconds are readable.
11,24
